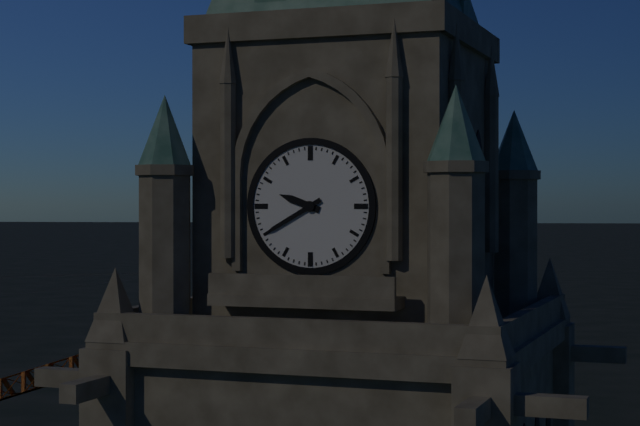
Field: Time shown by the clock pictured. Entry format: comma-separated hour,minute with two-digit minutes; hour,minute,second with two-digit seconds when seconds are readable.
9,40
